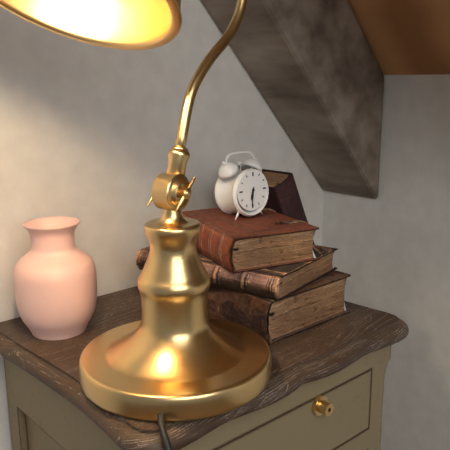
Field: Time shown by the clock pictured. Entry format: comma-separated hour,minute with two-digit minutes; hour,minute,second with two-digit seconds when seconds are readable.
6,31
